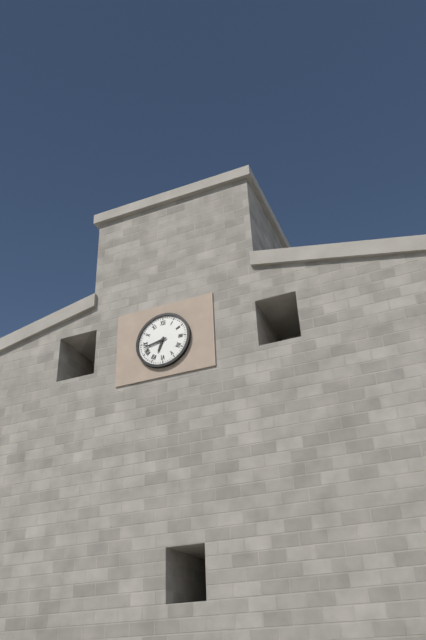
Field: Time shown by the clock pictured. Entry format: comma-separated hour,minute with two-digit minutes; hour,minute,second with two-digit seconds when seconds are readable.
6,43
